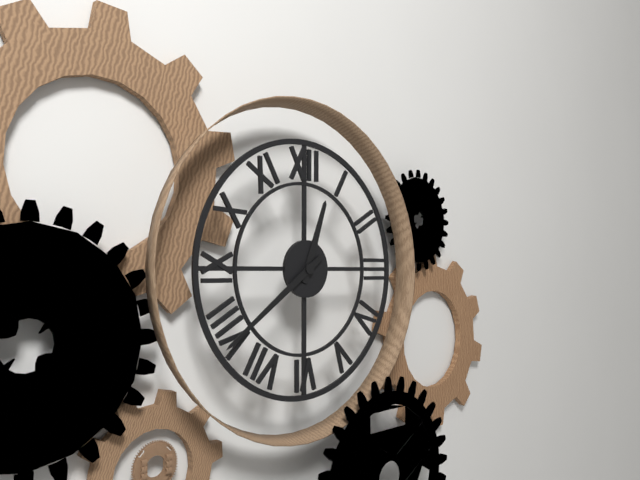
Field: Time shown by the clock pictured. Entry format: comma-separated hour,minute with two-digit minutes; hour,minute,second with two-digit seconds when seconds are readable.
12,39
